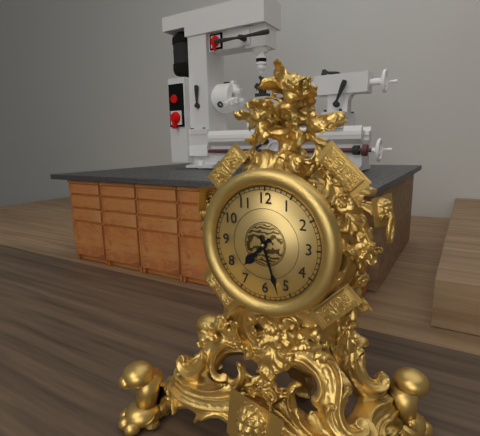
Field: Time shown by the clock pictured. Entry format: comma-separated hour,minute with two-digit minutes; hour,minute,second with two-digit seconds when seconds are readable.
7,27
